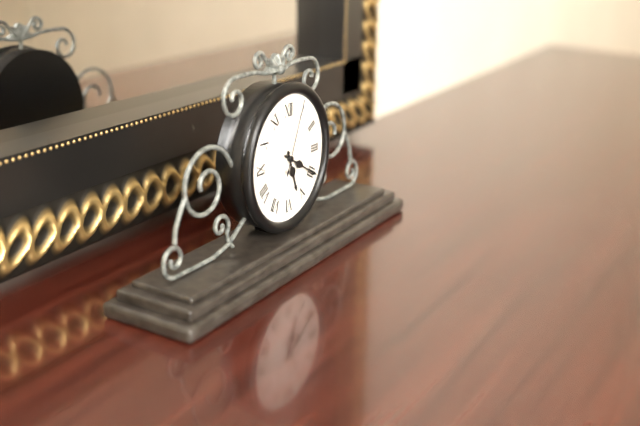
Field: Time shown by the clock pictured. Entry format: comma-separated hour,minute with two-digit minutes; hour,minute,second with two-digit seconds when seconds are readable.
5,20,04
